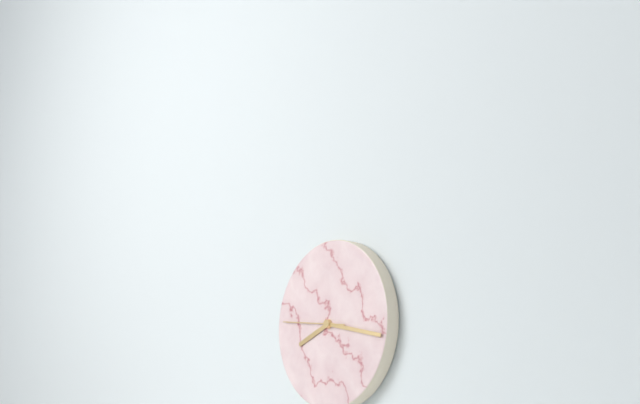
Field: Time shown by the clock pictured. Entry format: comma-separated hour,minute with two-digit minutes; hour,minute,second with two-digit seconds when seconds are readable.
8,17,46
